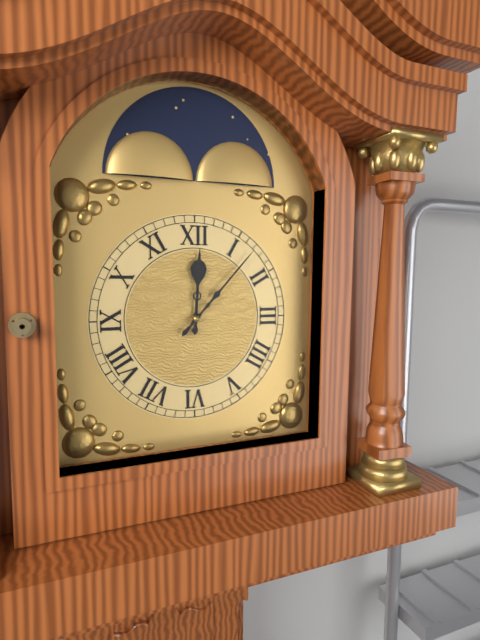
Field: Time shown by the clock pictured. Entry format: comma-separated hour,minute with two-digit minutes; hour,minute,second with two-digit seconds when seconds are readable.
12,07
